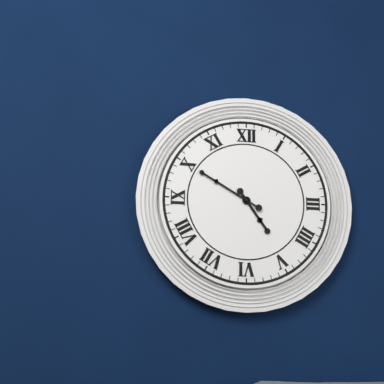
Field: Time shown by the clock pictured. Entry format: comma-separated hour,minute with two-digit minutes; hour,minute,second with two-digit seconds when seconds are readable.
4,50
